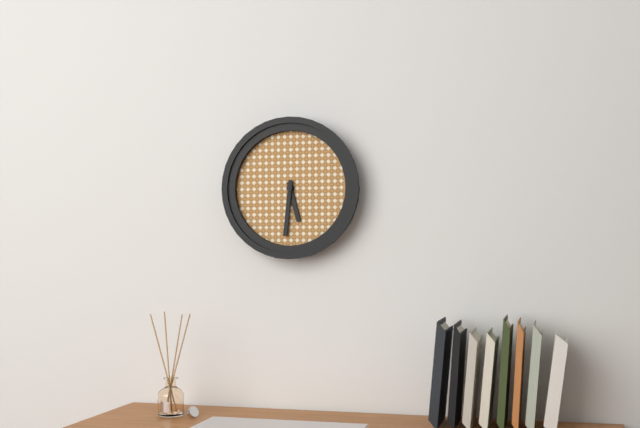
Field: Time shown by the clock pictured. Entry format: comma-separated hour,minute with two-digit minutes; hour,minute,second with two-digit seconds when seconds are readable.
5,31
